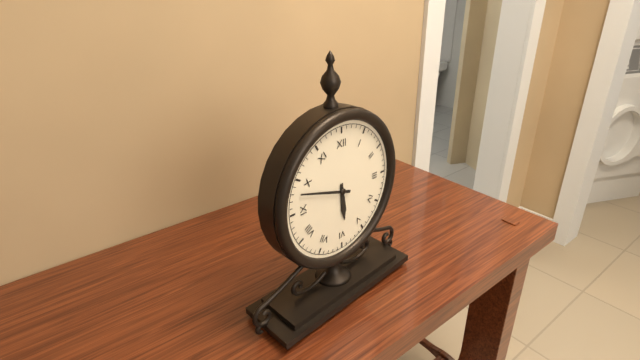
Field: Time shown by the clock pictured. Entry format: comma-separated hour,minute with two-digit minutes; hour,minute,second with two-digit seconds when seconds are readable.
5,48
